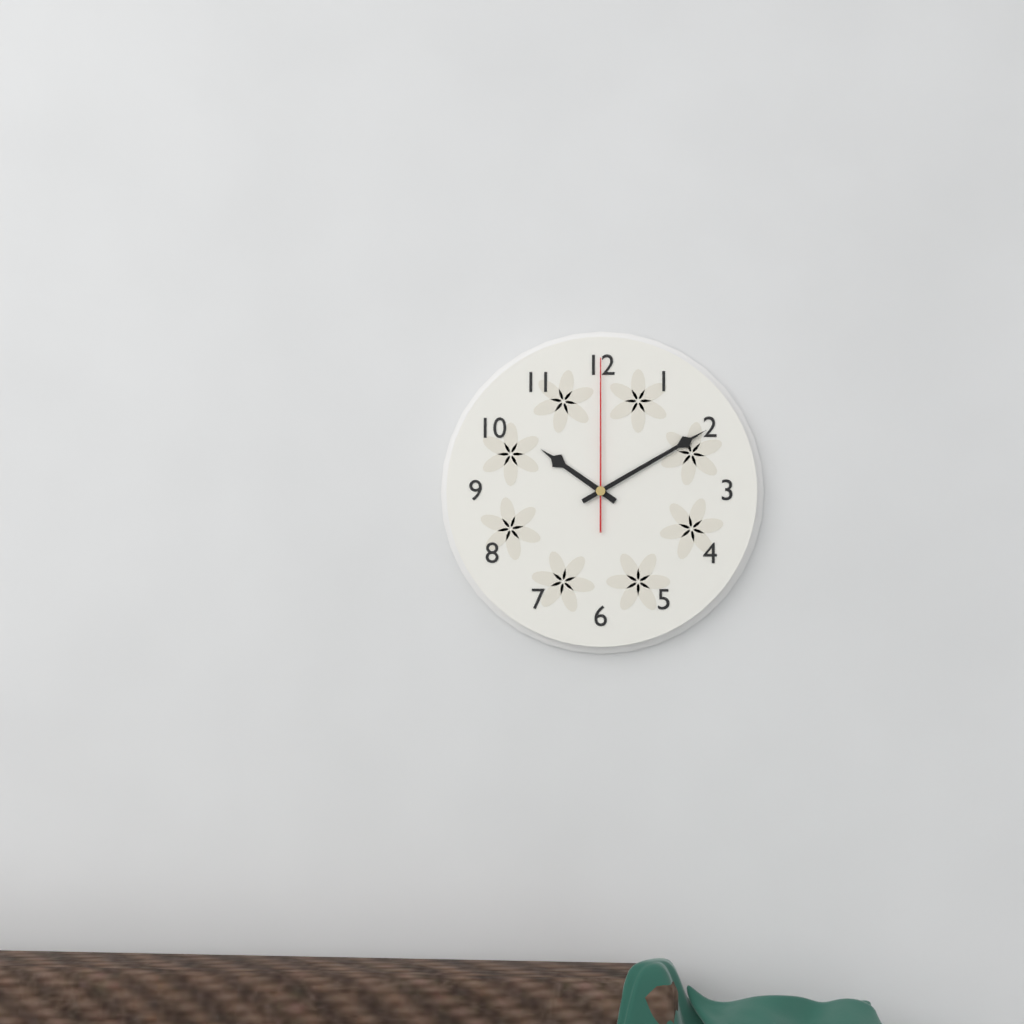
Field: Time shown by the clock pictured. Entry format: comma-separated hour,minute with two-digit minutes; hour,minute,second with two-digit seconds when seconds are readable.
10,10,00
